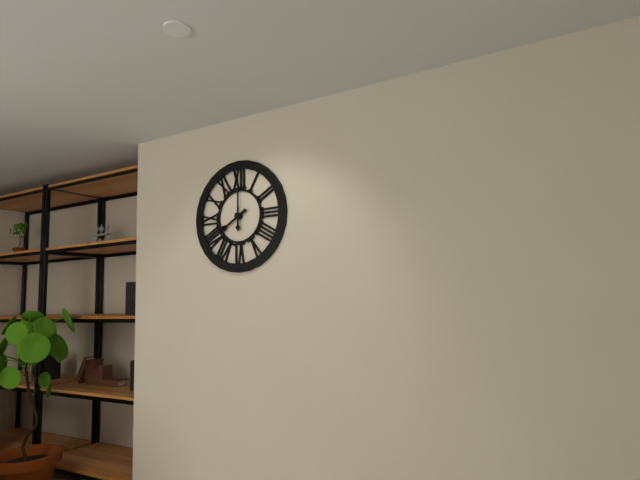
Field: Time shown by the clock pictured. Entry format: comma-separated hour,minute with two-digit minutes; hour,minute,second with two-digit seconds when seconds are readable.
8,00
